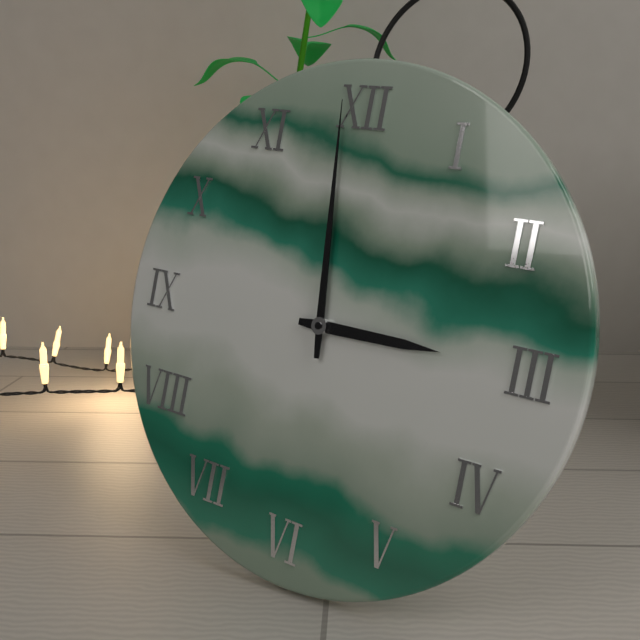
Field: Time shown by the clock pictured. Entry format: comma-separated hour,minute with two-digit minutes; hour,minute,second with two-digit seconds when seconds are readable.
2,59
